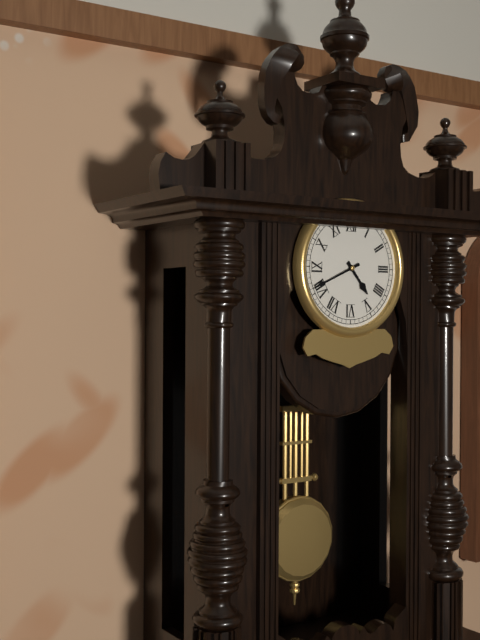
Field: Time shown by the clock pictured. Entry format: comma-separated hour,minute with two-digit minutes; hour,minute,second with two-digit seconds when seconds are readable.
4,41
